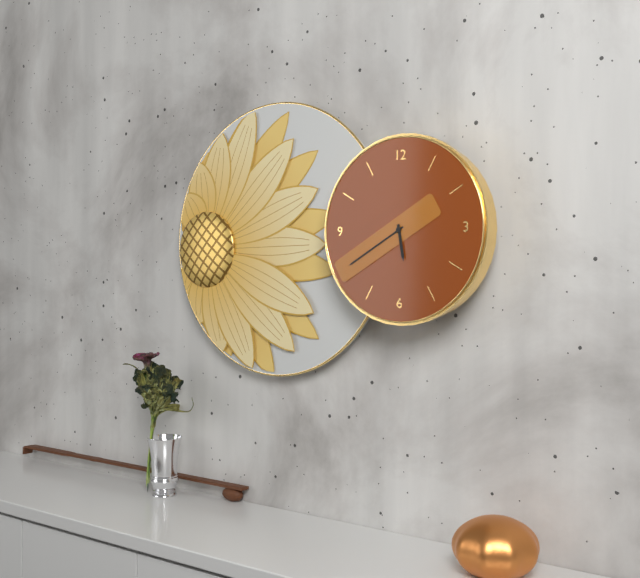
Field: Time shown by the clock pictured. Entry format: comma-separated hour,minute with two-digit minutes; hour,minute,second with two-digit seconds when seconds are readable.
5,40
